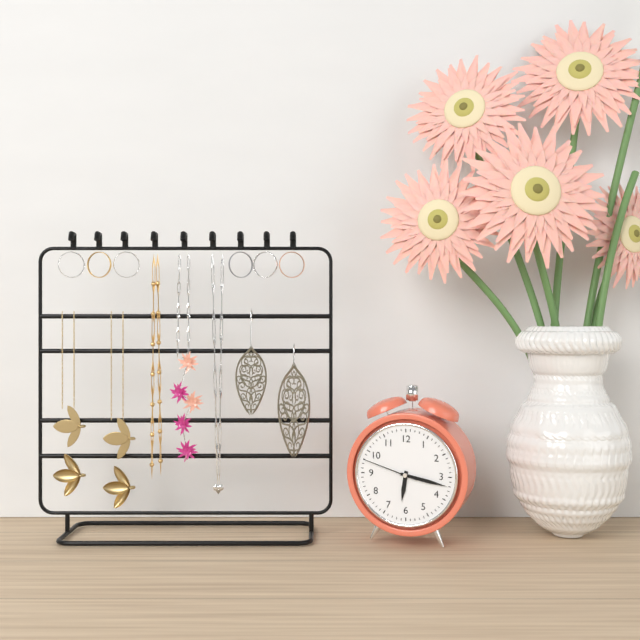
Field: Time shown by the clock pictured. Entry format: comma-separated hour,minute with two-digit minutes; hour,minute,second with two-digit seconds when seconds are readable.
6,17,48
